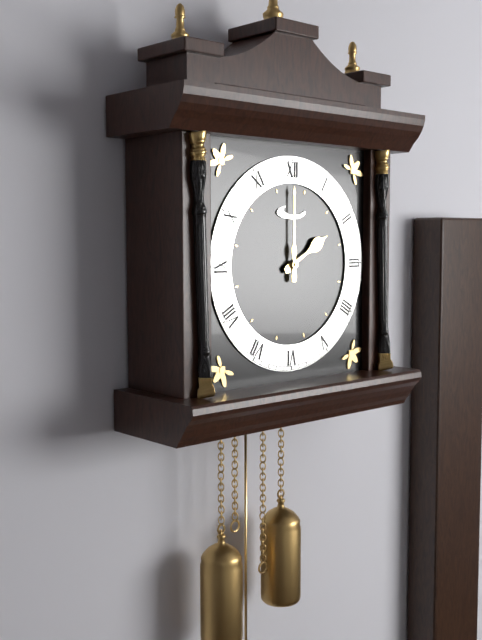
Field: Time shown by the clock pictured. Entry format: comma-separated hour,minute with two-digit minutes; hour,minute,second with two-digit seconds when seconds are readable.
2,00
